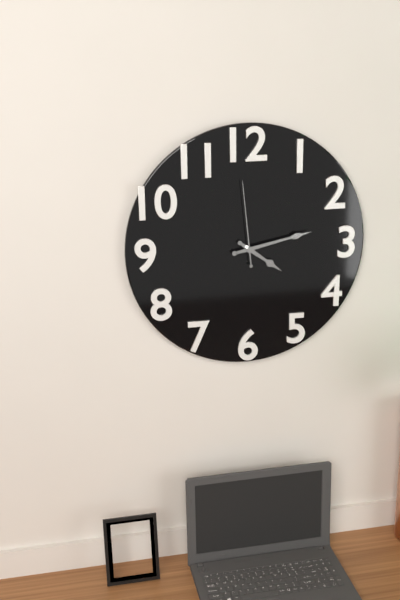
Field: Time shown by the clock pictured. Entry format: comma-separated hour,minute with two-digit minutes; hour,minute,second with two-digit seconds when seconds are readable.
4,13,59
